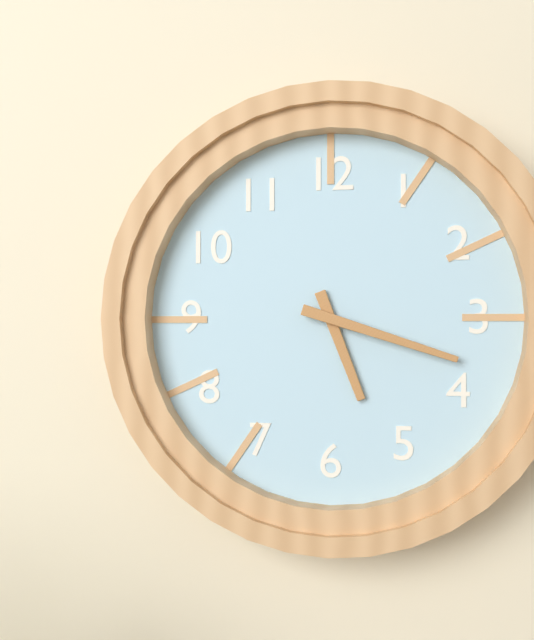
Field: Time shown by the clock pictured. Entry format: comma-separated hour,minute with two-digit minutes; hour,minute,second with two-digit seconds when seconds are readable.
5,18
